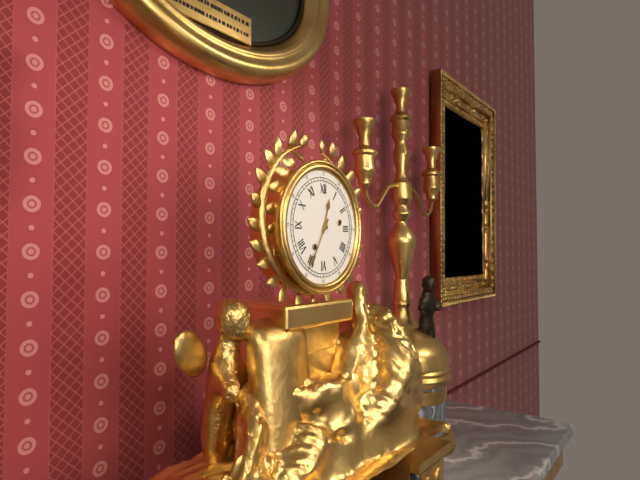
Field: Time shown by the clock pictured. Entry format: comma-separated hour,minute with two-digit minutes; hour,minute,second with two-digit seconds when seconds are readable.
12,35
